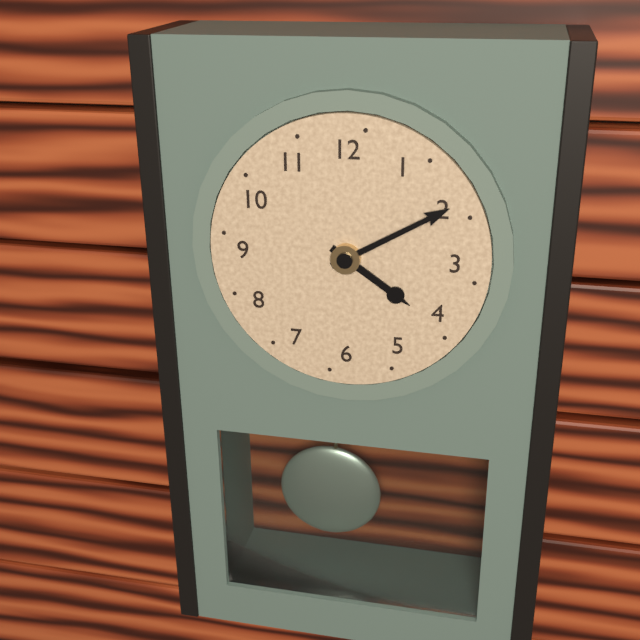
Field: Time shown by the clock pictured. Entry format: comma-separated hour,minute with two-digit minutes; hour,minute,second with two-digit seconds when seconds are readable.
4,10
